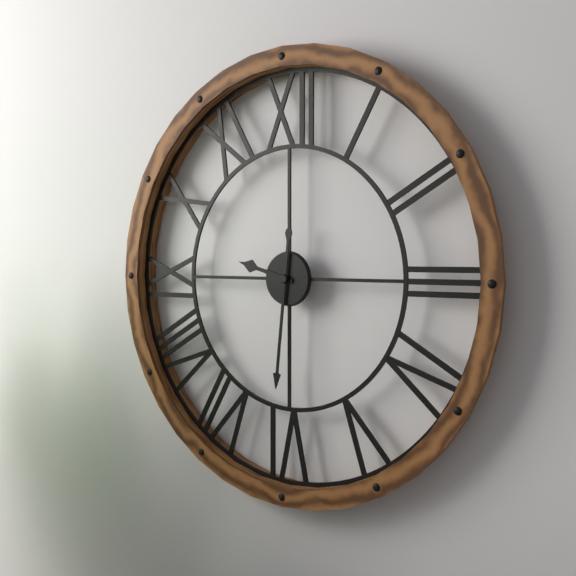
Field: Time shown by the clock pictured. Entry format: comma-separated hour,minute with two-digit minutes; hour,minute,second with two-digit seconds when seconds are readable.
9,31
